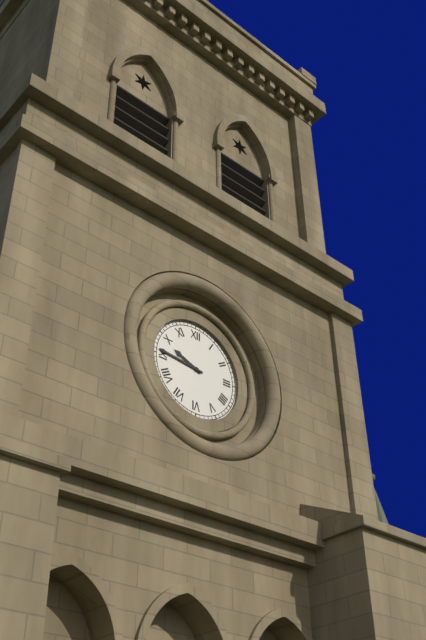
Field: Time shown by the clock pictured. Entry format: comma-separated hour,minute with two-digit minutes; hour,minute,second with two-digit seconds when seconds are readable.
9,46
